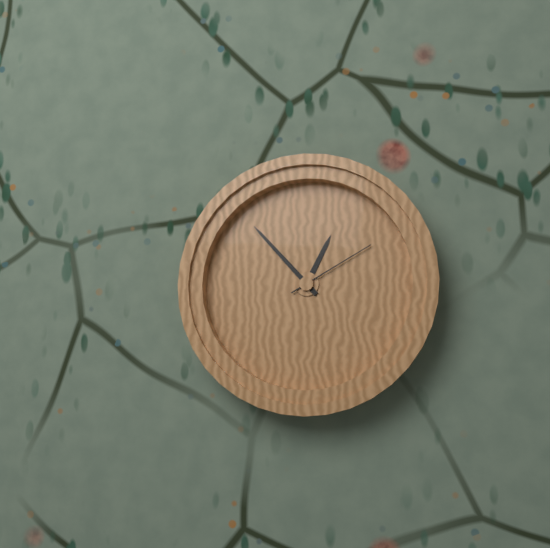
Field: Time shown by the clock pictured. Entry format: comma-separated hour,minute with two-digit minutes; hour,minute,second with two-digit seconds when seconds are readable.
12,53,10
